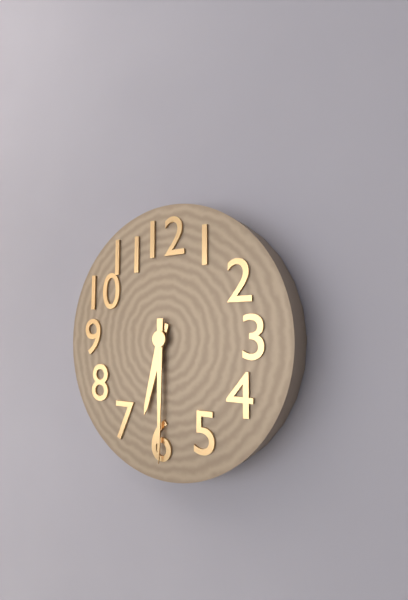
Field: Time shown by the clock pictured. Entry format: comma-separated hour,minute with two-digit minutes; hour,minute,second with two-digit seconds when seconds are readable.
6,30
